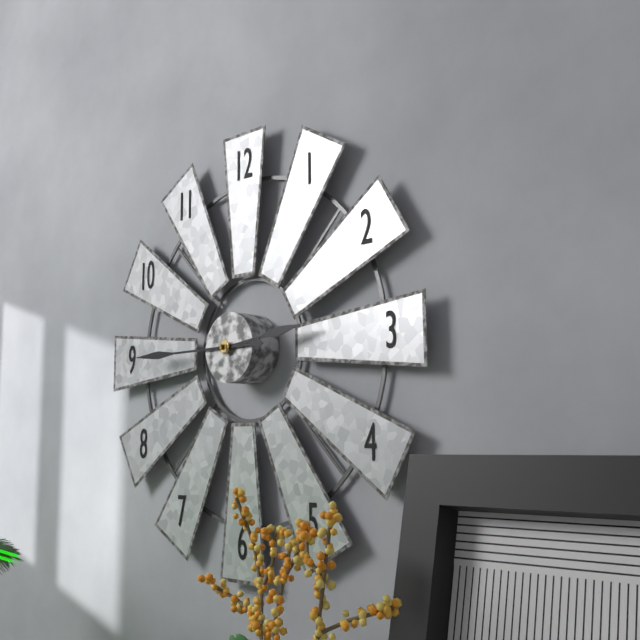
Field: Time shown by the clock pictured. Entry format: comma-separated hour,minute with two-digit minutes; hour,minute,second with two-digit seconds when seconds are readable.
2,45
